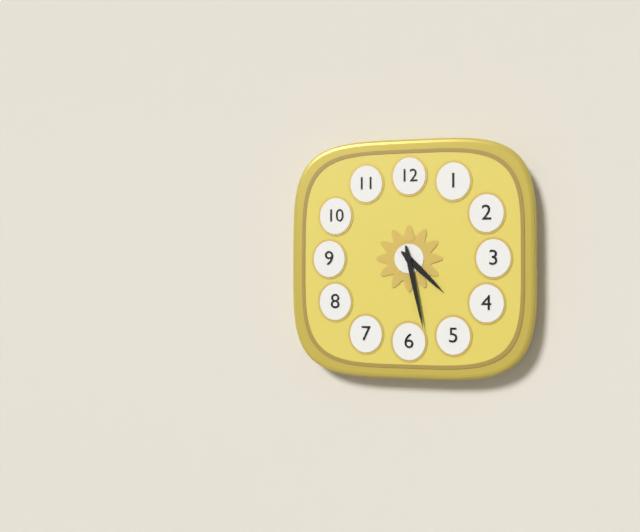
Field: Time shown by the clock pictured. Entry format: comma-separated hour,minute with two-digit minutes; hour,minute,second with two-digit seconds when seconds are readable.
4,28
